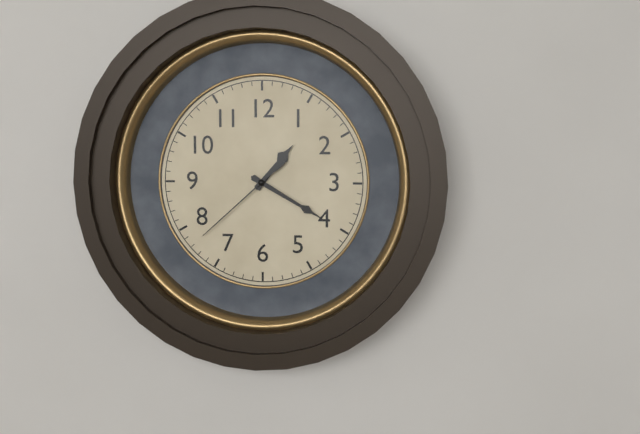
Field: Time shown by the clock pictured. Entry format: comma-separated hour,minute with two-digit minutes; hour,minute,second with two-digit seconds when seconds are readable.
1,20,38
